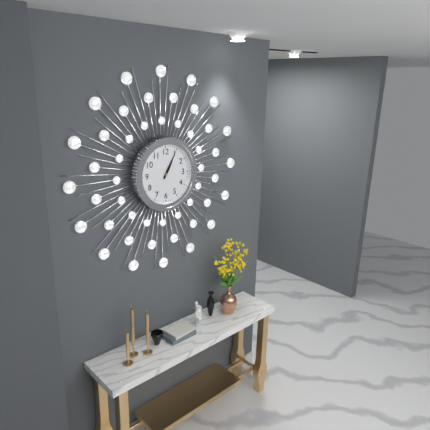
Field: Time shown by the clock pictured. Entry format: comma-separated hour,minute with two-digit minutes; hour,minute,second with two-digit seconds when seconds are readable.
1,05
